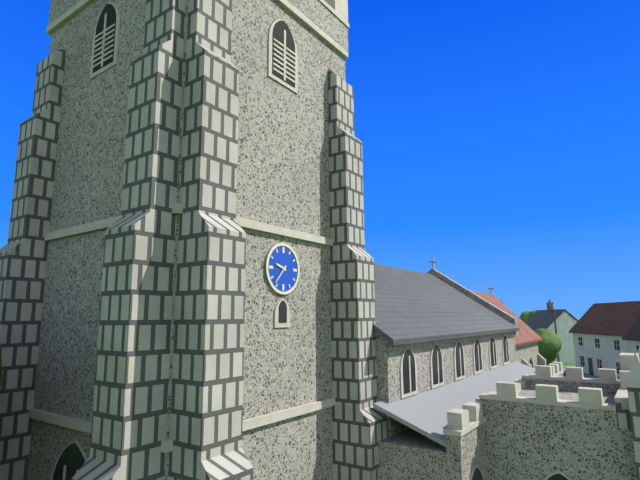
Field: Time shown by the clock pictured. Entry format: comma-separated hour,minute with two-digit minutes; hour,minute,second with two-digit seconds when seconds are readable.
9,37
